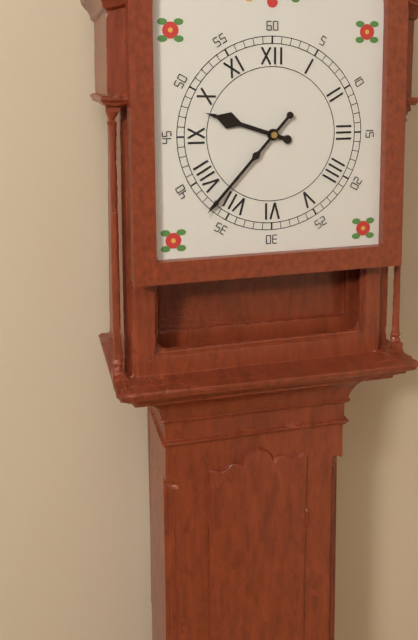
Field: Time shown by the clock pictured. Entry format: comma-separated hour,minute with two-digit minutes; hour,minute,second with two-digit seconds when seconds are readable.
9,37
